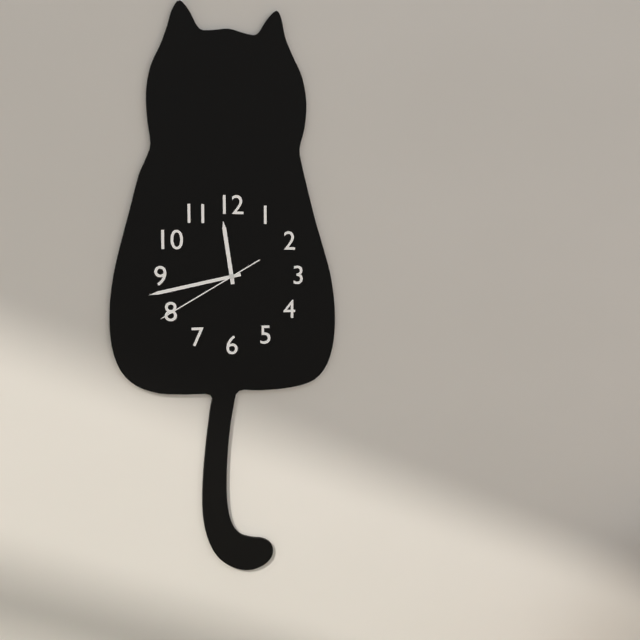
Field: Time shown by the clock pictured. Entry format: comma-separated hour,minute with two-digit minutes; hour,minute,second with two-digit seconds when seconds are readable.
11,43,40
